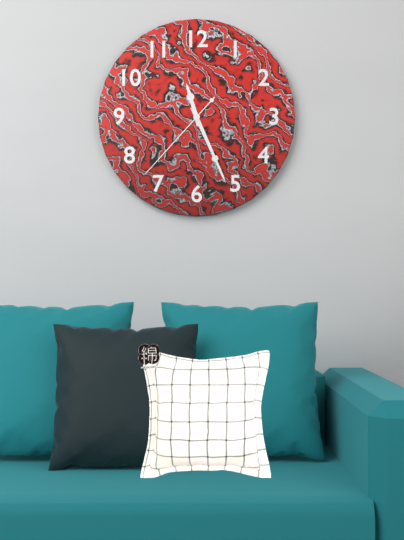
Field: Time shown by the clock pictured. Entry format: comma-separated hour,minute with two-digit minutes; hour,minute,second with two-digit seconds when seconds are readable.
11,26,37
